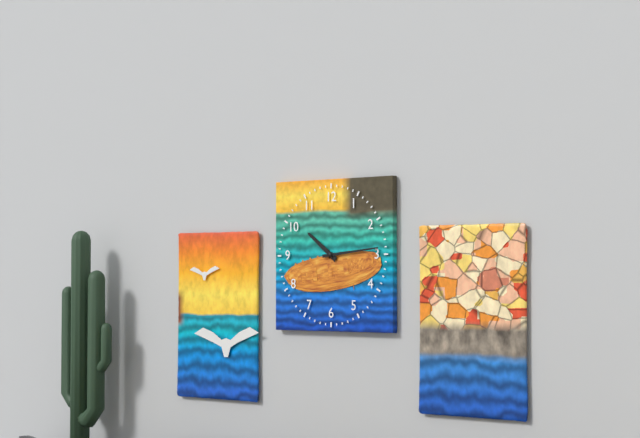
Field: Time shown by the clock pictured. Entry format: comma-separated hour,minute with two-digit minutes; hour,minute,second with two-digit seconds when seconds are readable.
10,14
